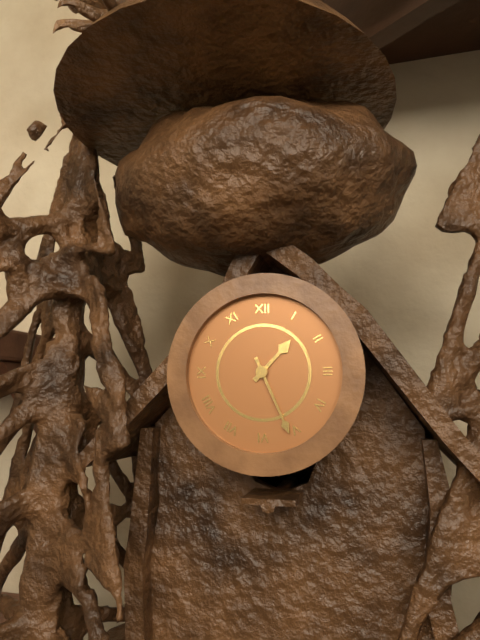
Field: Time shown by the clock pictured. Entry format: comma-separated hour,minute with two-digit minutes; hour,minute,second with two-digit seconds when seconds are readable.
1,26
